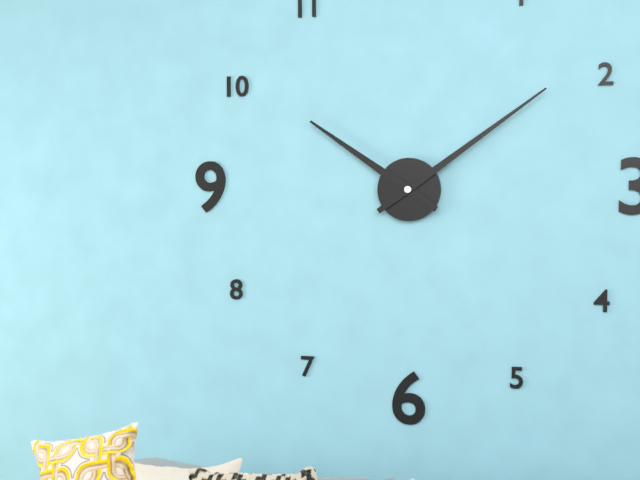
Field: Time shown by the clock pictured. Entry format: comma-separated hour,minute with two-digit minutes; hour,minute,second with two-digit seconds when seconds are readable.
10,09
